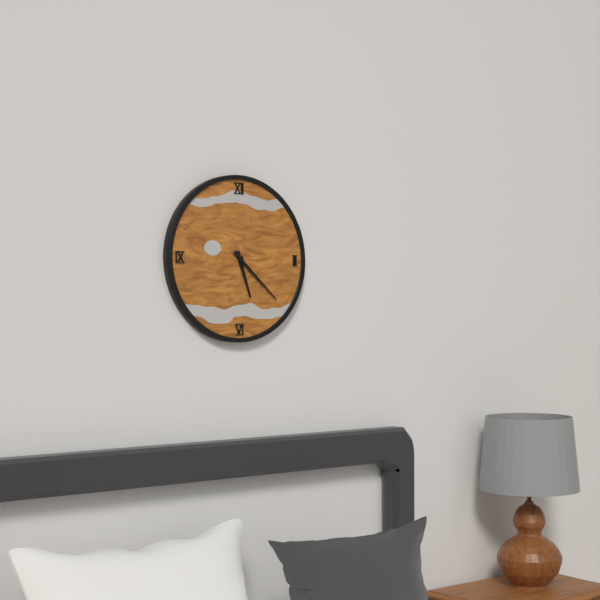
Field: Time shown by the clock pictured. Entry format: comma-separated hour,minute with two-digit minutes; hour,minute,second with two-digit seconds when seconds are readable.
5,22
